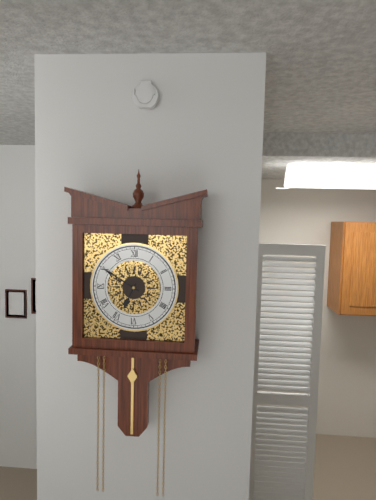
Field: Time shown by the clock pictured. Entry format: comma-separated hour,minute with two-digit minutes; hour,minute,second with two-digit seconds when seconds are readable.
6,50
